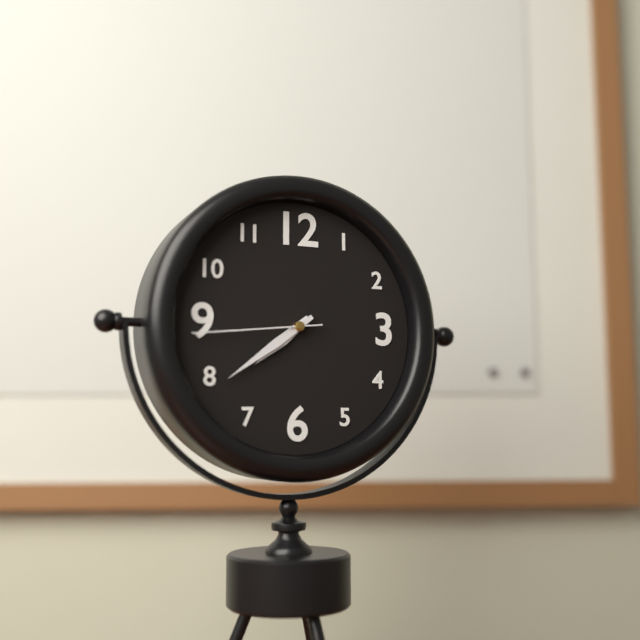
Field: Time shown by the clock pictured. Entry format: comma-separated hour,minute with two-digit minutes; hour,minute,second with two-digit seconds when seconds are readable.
7,39,44
